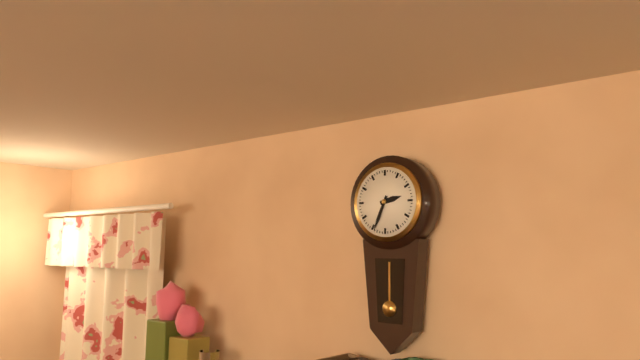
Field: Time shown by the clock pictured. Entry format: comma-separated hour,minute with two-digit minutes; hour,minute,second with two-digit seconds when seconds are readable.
2,34
